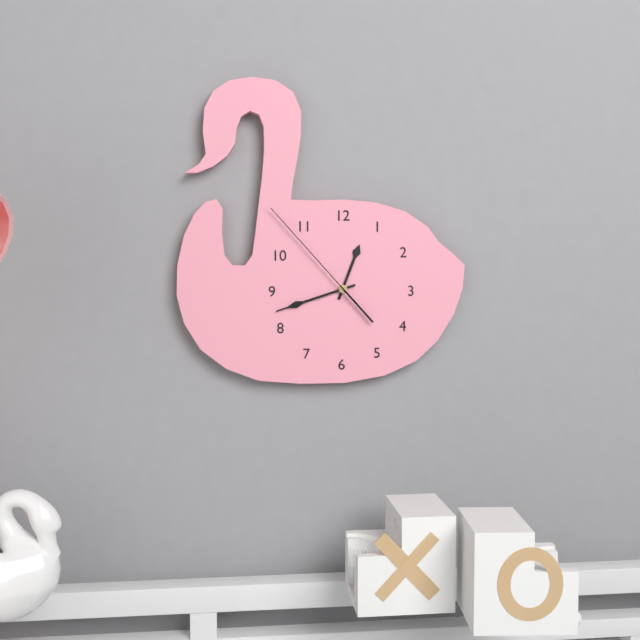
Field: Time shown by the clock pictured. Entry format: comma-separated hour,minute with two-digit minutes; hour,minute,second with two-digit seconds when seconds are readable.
12,42,53
